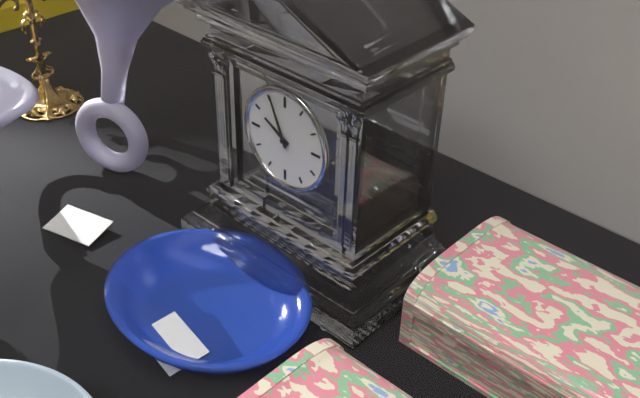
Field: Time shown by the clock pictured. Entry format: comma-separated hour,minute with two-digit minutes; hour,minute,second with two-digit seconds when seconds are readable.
9,56
